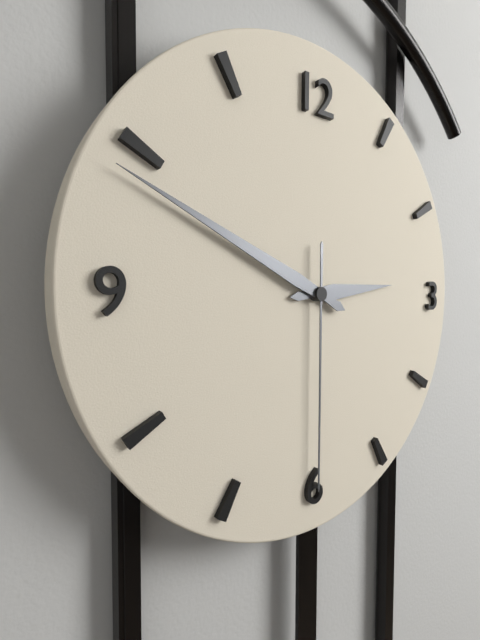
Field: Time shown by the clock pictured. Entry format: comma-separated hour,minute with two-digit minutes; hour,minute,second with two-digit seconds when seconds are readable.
2,49,30
